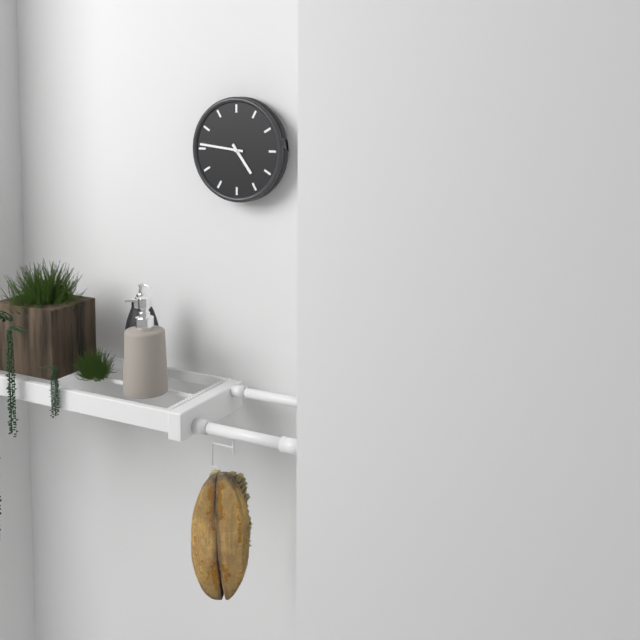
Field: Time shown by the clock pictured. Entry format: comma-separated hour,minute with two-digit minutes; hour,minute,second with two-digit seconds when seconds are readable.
4,46
